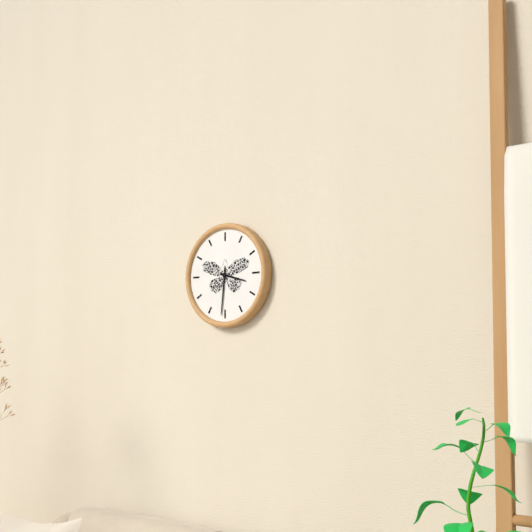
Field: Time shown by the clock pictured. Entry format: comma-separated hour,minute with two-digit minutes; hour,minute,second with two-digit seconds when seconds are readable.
3,31
